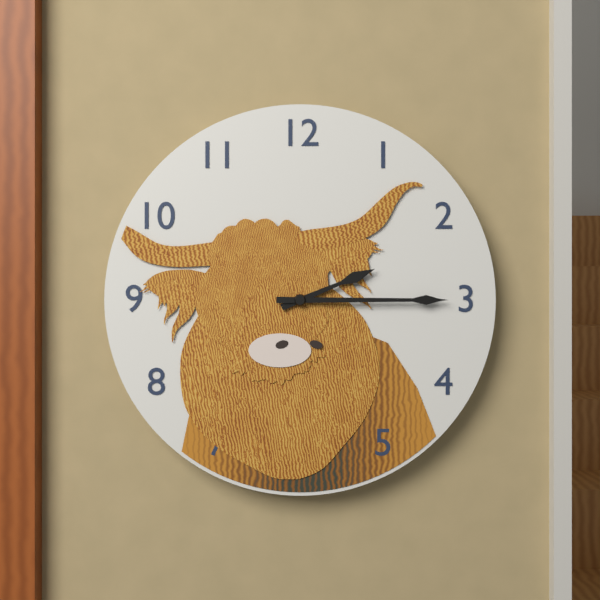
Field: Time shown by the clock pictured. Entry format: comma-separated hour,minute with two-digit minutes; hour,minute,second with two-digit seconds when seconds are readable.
2,15
